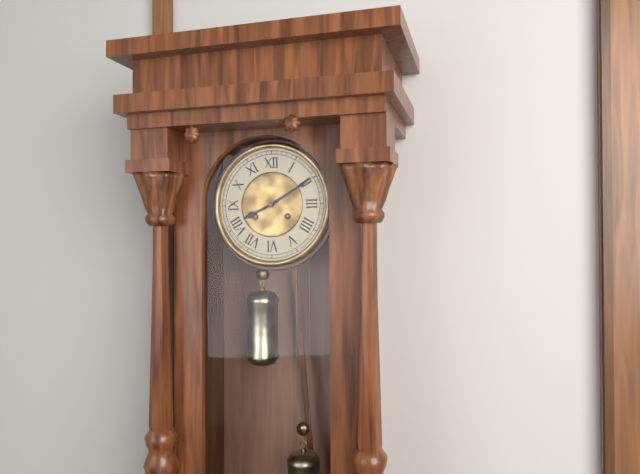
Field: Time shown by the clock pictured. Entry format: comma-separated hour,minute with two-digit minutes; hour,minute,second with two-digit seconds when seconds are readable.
8,10
